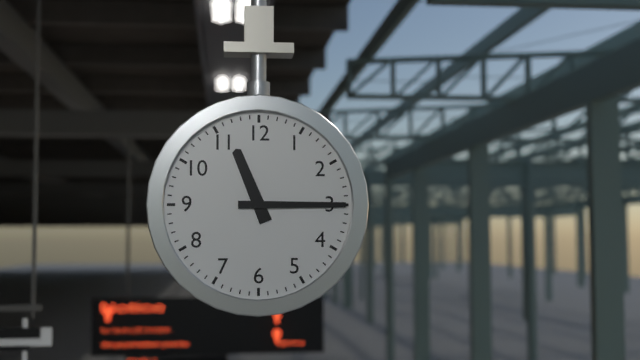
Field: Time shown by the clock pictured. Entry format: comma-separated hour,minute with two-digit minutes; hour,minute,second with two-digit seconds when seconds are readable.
11,15
